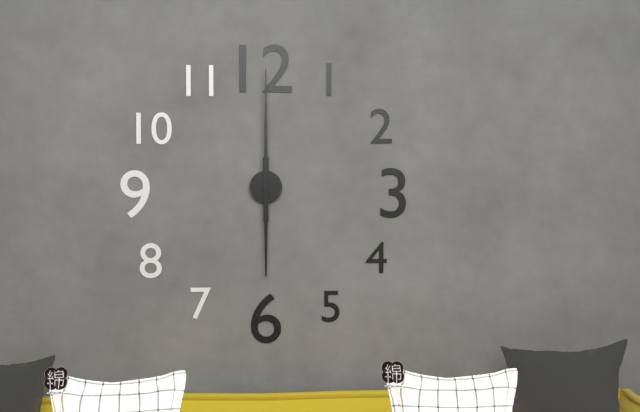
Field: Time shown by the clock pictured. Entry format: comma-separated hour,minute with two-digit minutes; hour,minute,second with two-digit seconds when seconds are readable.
6,00
